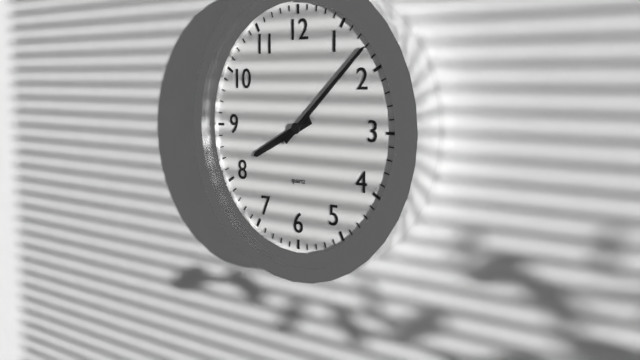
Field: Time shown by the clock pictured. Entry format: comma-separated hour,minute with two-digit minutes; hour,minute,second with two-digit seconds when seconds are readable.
8,08
